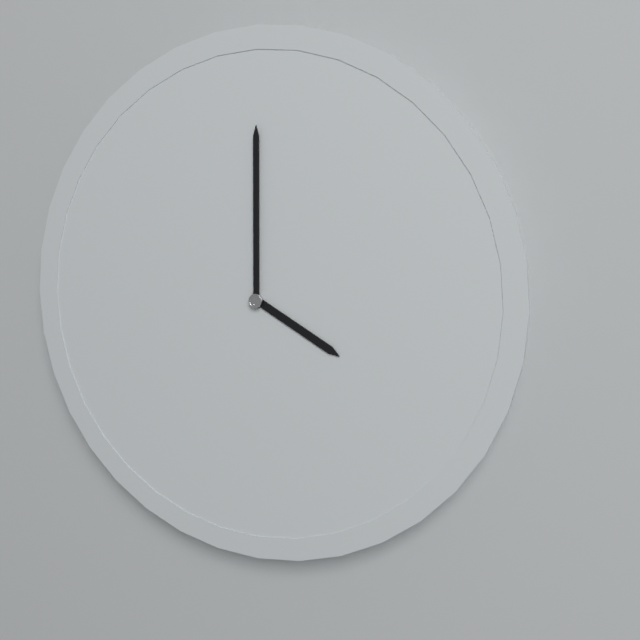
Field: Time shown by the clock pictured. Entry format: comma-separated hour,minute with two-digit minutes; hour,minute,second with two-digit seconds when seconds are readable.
4,00
